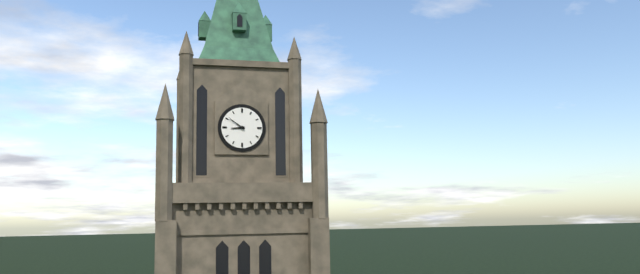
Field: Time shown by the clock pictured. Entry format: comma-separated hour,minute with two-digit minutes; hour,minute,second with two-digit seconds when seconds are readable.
8,51
